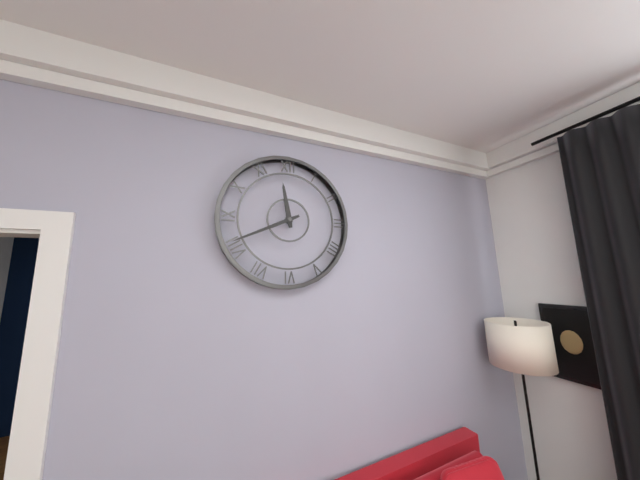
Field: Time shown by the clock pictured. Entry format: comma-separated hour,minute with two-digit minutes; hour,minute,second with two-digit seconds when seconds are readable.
11,41
